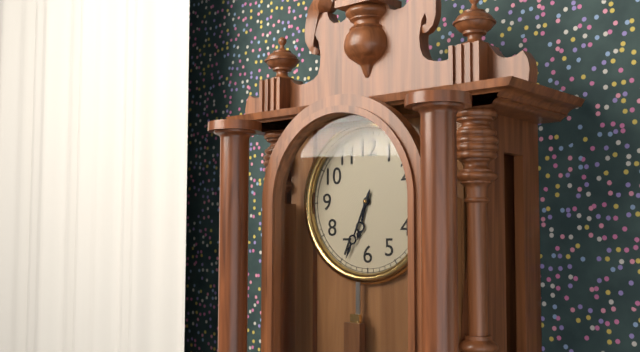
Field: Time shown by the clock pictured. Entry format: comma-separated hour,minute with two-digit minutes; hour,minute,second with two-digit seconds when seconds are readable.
6,34
